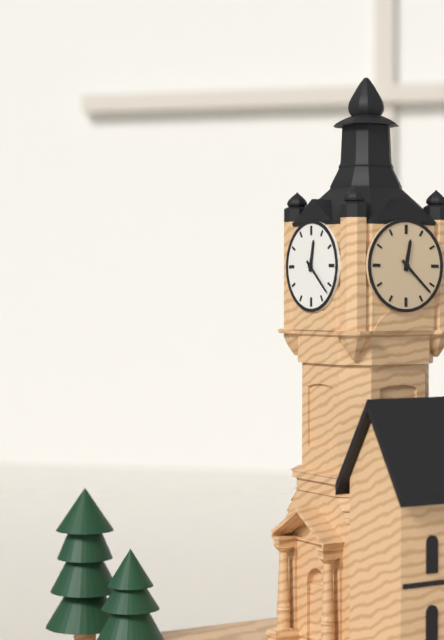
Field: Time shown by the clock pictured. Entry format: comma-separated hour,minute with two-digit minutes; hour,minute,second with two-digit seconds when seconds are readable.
12,22
